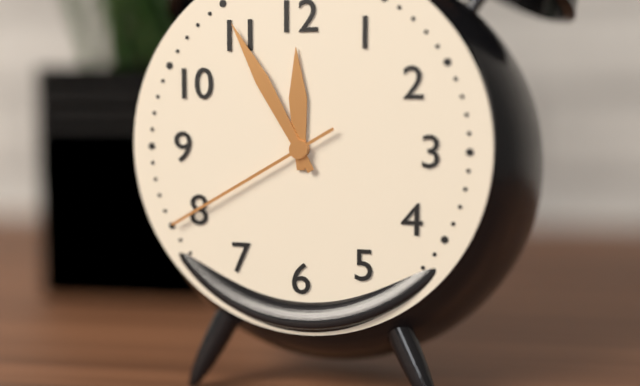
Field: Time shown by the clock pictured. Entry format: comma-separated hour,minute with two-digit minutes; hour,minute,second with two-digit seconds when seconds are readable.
11,55,40
